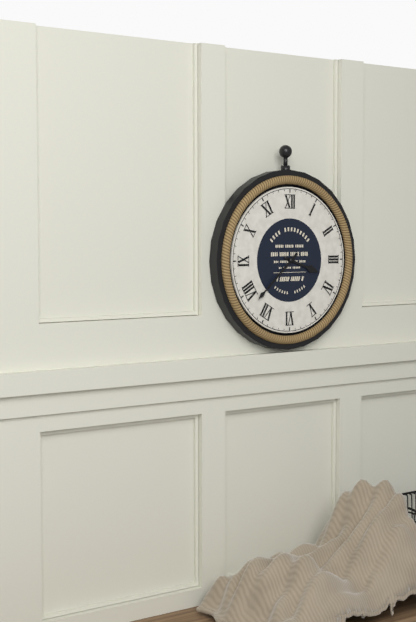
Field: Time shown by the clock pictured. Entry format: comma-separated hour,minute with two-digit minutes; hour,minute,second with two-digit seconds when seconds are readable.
3,38
